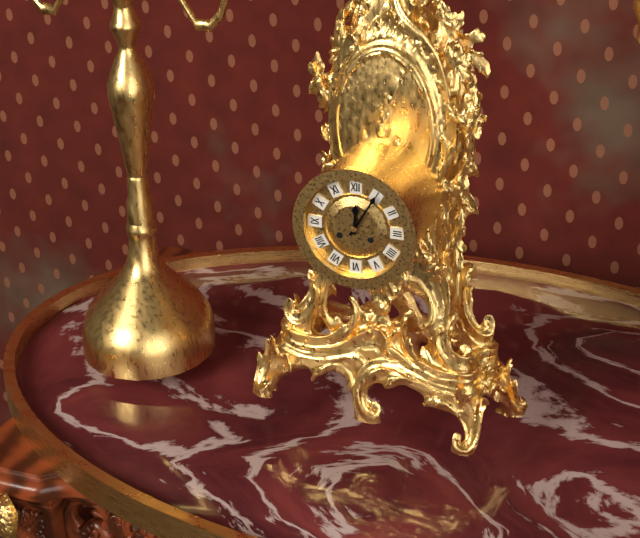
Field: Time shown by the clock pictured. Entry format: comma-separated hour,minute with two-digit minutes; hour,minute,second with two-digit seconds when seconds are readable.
12,05
